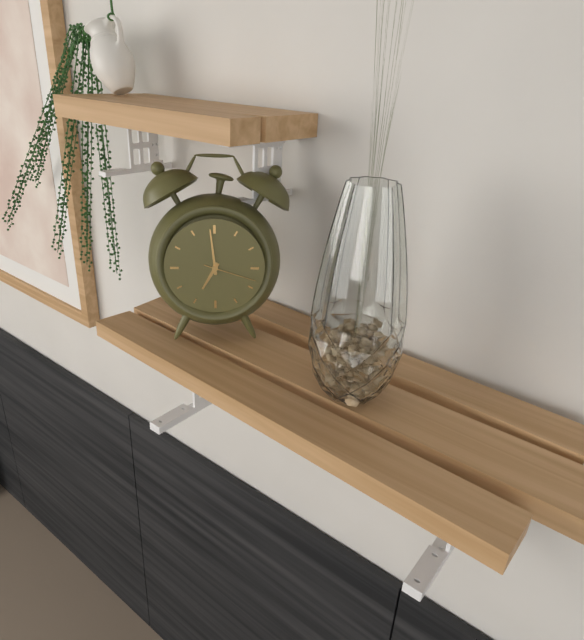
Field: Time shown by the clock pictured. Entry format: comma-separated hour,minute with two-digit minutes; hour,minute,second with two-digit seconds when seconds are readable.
6,59,18
